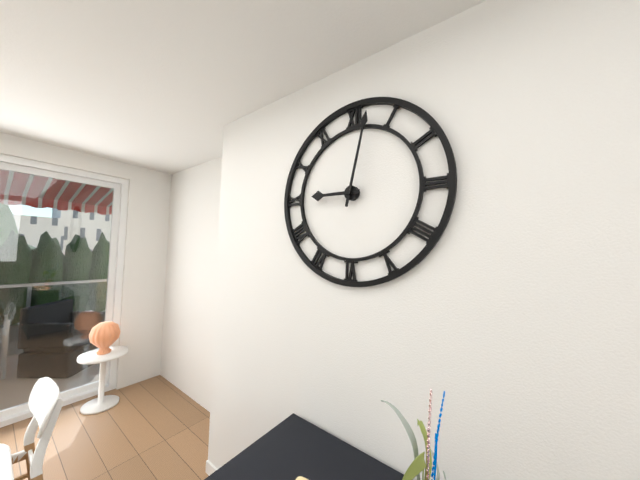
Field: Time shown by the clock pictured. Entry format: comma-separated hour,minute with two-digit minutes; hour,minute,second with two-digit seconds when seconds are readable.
9,02
